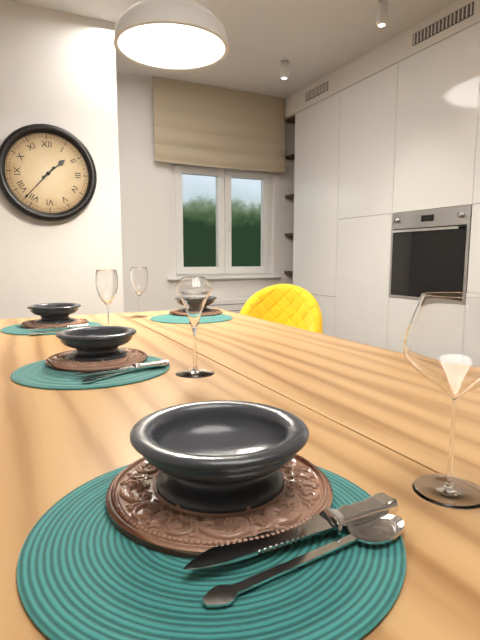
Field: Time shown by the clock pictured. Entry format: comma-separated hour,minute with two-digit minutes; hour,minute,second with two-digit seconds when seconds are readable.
1,37
